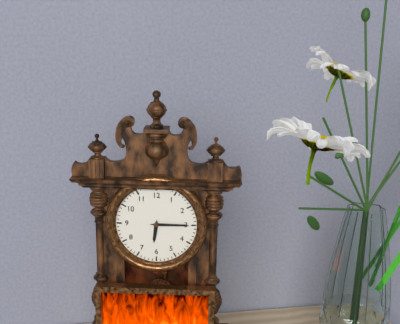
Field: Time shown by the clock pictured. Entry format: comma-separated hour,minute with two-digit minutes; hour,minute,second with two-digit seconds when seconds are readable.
6,15
